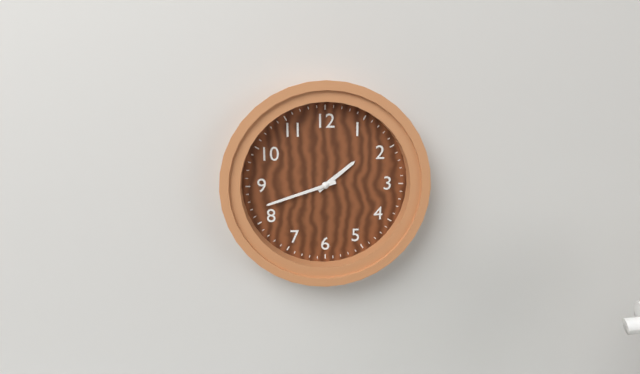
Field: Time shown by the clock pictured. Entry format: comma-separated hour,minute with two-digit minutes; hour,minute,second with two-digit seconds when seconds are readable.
1,42
